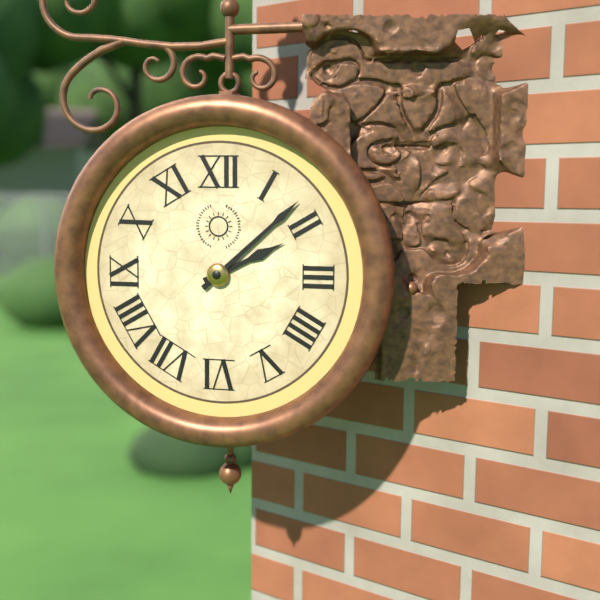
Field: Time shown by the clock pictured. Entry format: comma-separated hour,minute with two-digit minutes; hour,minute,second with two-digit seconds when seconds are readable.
2,08
